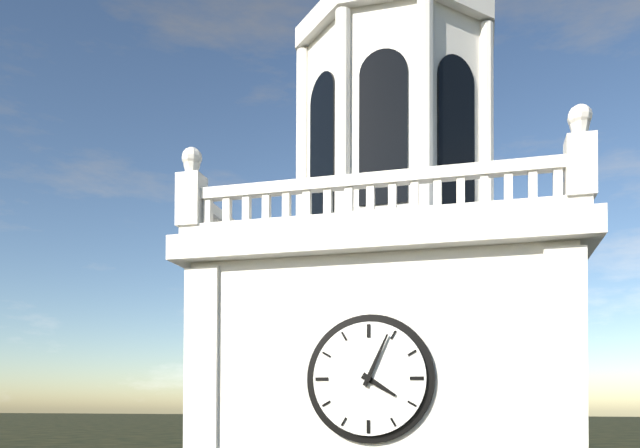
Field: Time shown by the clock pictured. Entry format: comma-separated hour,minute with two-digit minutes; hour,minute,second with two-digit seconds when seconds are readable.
4,04
